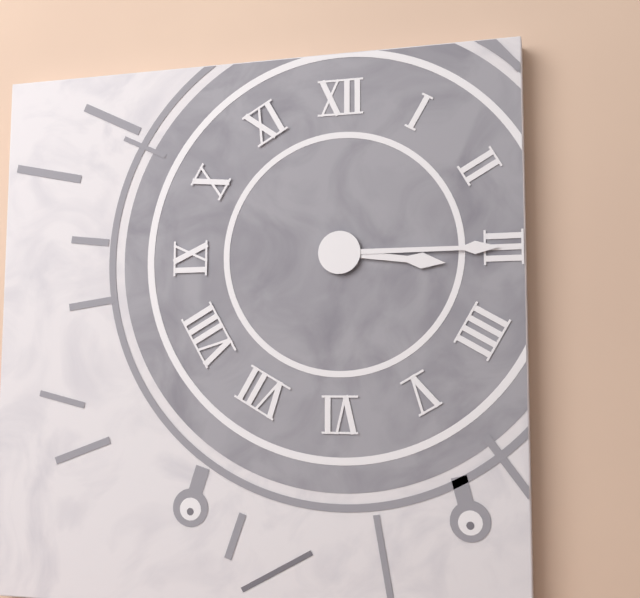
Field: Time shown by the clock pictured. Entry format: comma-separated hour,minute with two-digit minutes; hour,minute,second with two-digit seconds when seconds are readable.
3,15
